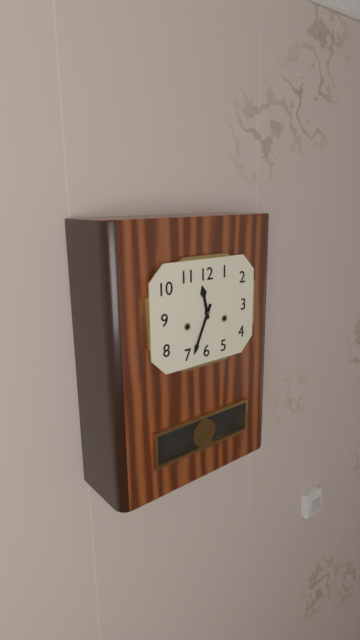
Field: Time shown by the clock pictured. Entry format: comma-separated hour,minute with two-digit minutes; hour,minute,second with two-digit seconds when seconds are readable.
11,34
